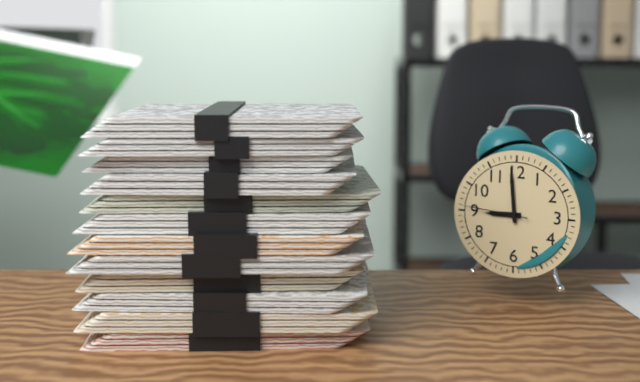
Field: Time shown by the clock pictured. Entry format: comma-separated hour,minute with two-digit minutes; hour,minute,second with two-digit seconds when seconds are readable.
8,59,46
